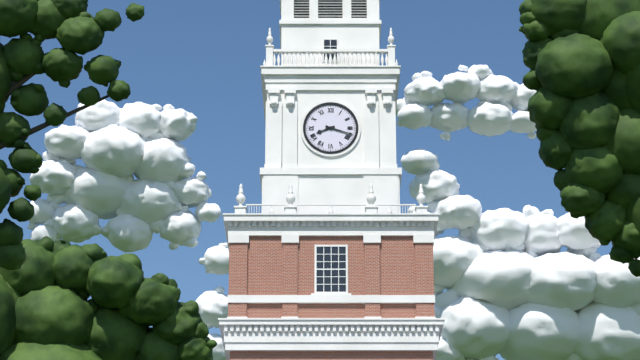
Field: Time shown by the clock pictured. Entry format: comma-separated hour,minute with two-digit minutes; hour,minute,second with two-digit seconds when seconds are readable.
8,18
